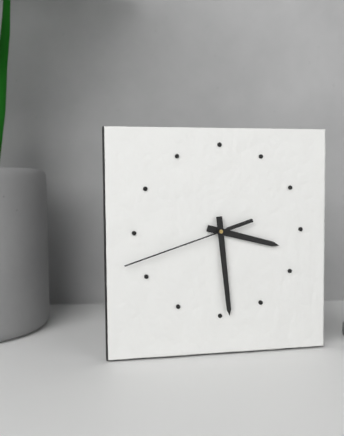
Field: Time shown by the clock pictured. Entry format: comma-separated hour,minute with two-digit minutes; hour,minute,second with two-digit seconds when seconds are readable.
3,29,42
